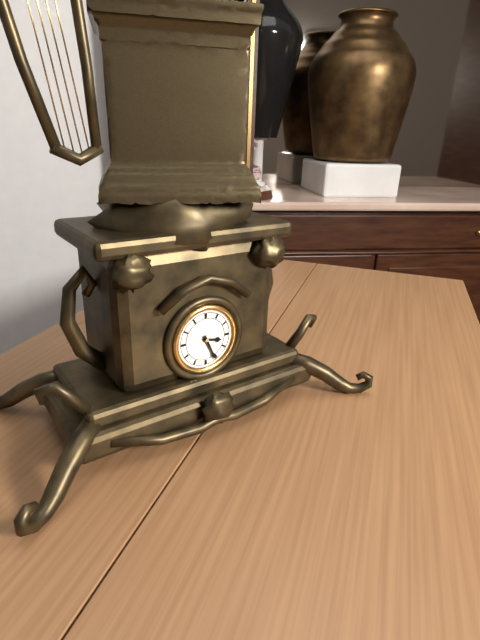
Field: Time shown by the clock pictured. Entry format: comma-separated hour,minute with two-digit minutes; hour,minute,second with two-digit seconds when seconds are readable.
3,26
